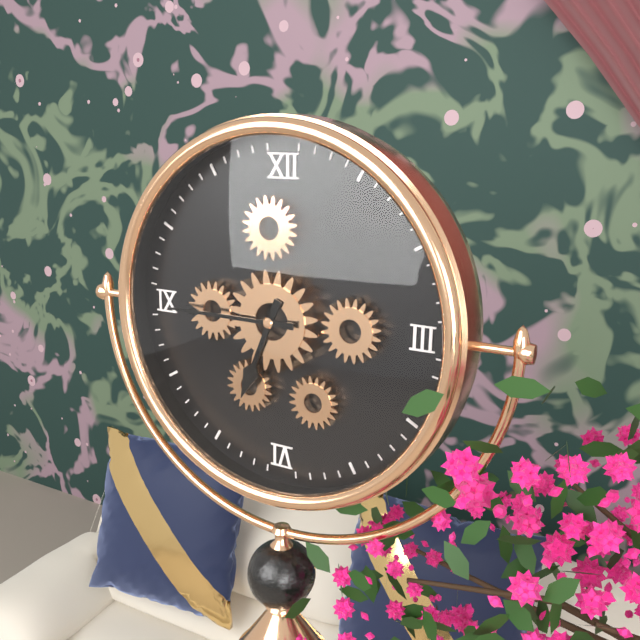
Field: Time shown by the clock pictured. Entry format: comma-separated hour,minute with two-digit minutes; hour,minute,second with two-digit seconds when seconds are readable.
6,45
